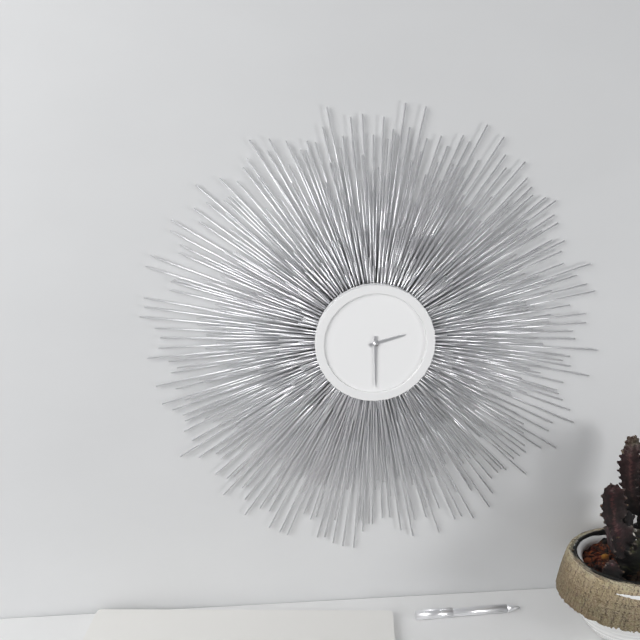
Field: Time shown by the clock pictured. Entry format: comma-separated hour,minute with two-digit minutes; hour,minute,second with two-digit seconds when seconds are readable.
2,30
